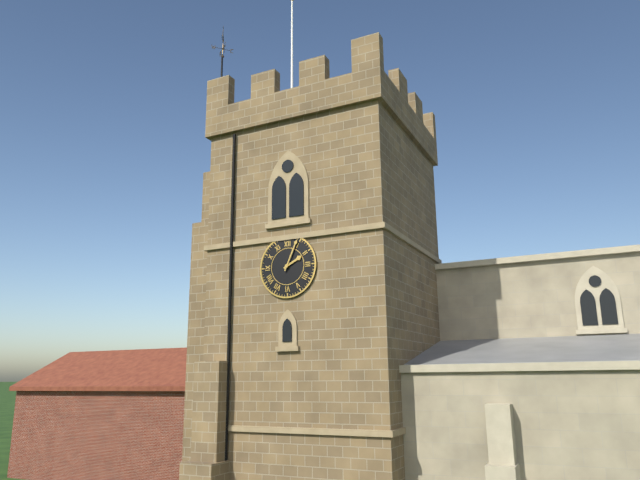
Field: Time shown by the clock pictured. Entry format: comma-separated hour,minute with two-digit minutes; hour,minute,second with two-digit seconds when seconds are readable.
2,04
